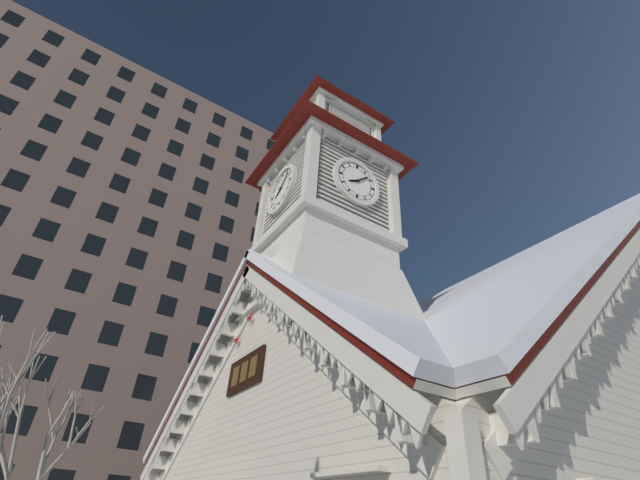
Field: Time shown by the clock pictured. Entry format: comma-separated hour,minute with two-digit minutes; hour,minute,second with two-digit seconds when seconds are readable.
8,08
